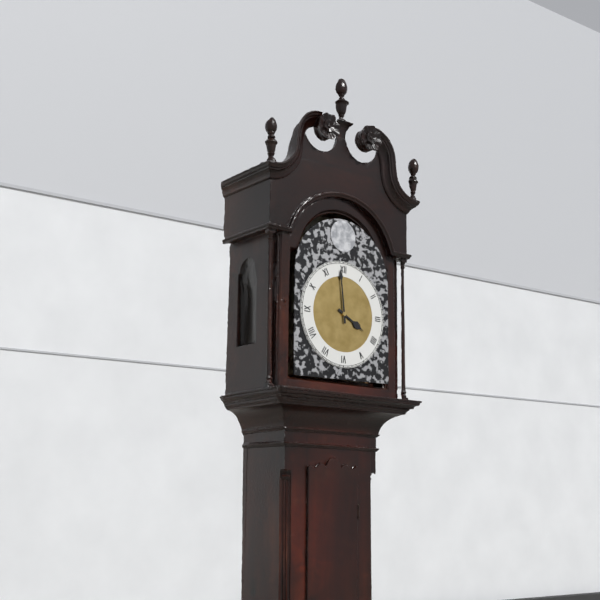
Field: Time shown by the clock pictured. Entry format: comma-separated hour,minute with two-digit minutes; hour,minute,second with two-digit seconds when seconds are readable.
3,59
